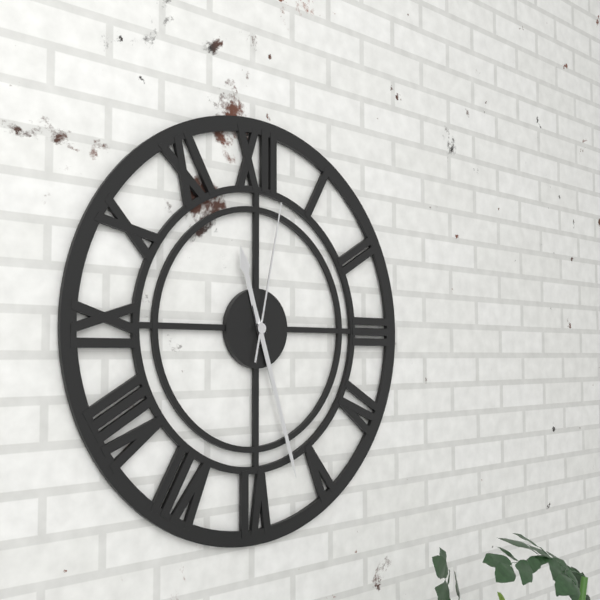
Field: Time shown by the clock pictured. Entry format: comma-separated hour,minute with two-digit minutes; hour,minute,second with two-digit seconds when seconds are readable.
11,27,02
